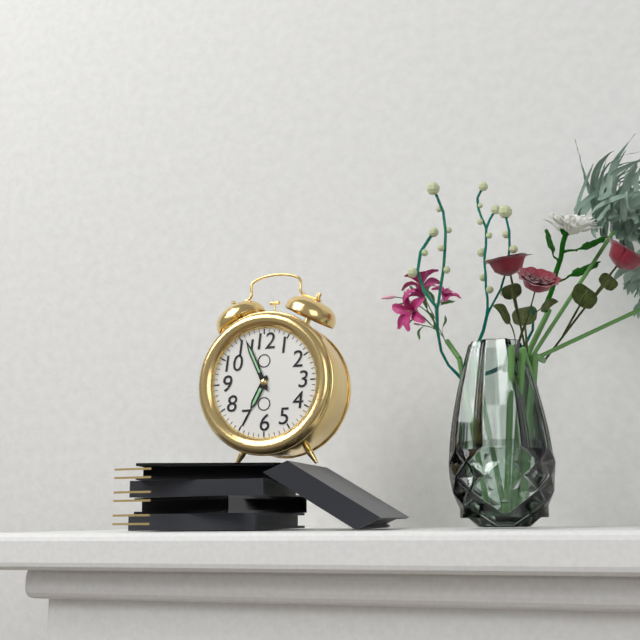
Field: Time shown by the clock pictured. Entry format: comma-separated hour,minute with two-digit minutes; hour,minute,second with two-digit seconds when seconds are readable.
6,56
